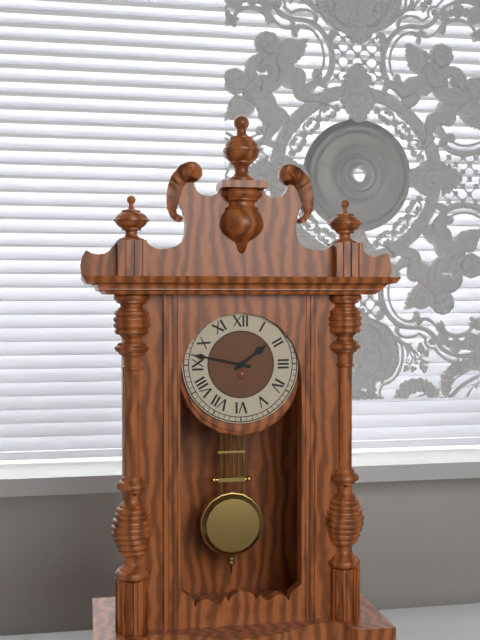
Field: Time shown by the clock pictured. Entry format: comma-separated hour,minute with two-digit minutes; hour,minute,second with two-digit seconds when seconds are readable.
1,47
